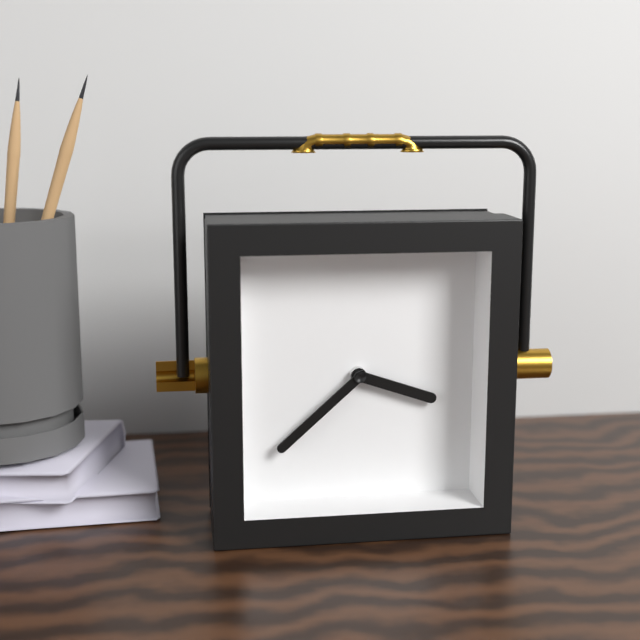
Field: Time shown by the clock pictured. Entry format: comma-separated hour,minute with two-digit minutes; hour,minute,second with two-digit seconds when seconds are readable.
3,38
